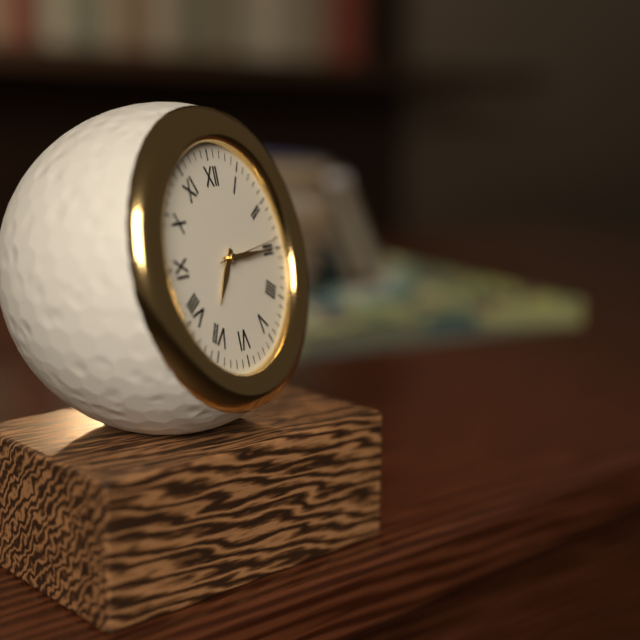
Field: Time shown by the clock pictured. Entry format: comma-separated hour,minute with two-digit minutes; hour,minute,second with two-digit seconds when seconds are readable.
7,15,14
